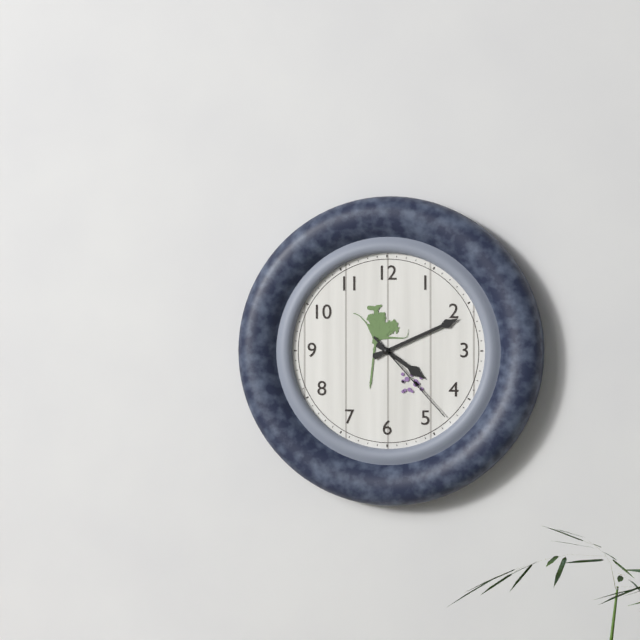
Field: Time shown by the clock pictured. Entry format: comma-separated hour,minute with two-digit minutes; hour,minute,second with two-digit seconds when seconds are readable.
4,11,23
